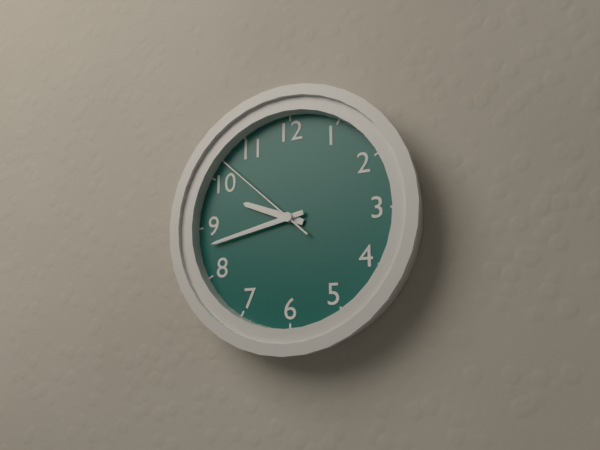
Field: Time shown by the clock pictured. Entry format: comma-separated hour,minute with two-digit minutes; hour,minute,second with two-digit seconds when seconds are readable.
9,43,52
